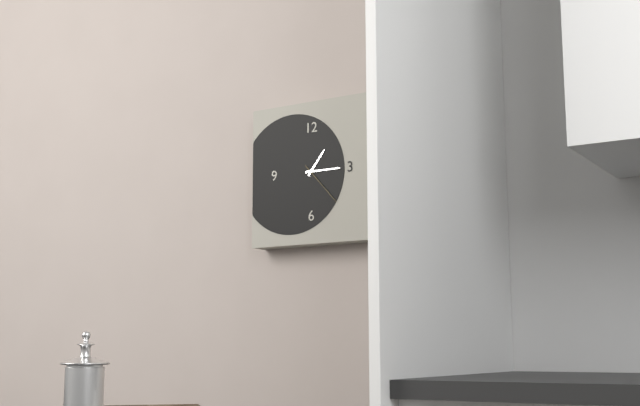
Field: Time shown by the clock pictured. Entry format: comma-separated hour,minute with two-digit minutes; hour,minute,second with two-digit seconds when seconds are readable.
1,15
